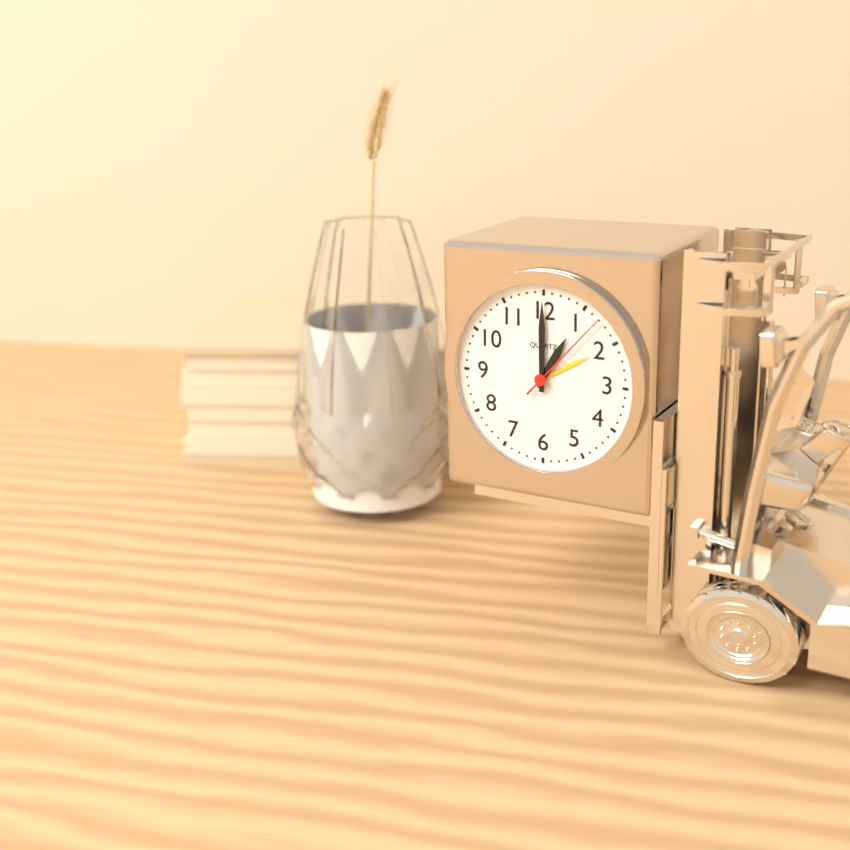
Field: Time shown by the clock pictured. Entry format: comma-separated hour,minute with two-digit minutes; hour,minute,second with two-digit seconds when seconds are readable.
1,00,07
